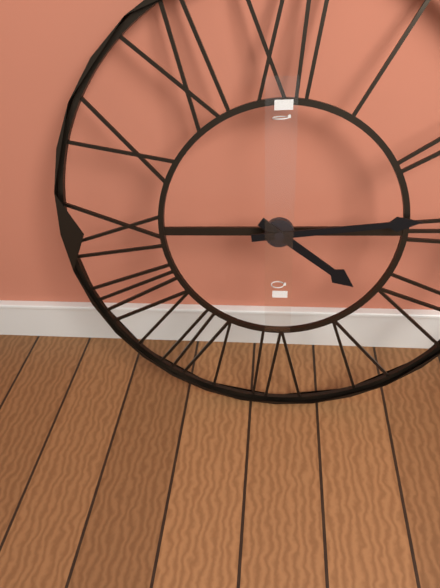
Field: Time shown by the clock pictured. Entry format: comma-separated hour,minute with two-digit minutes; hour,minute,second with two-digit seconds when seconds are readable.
4,14
